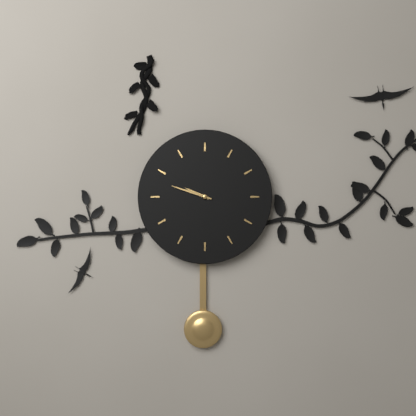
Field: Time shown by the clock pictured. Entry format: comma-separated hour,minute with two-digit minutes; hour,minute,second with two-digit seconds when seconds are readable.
9,48
